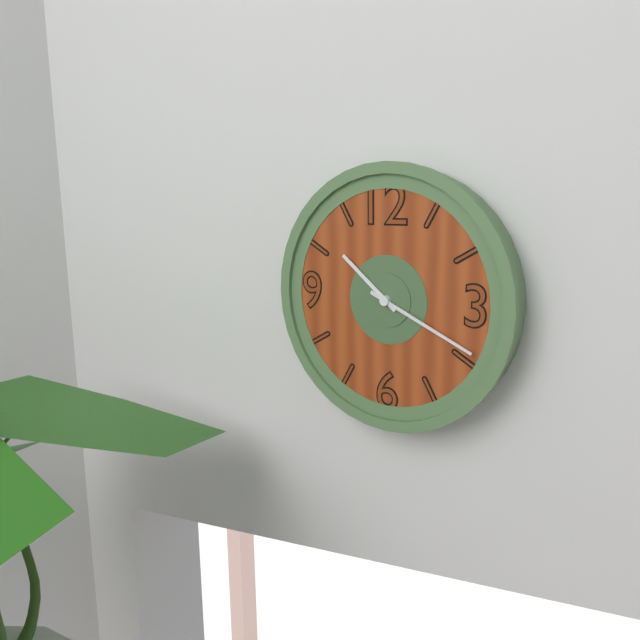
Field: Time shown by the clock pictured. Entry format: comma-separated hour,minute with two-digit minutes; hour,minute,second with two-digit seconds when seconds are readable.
10,19
